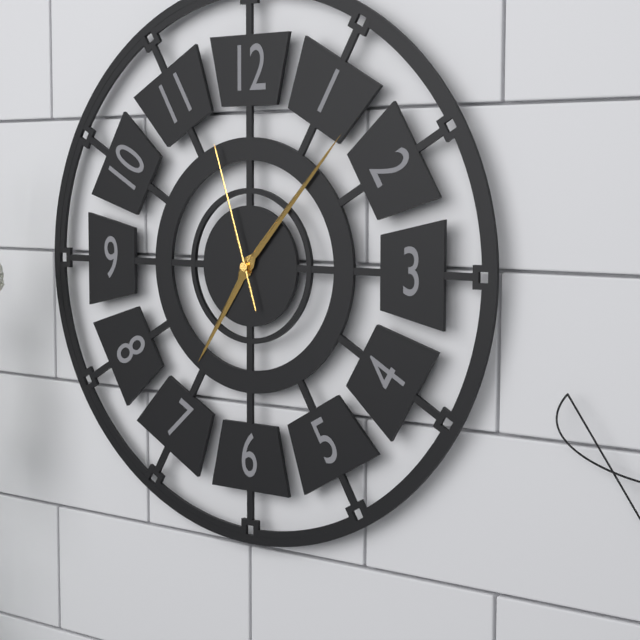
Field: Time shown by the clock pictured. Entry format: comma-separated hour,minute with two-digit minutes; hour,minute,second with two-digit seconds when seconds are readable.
7,07,57
